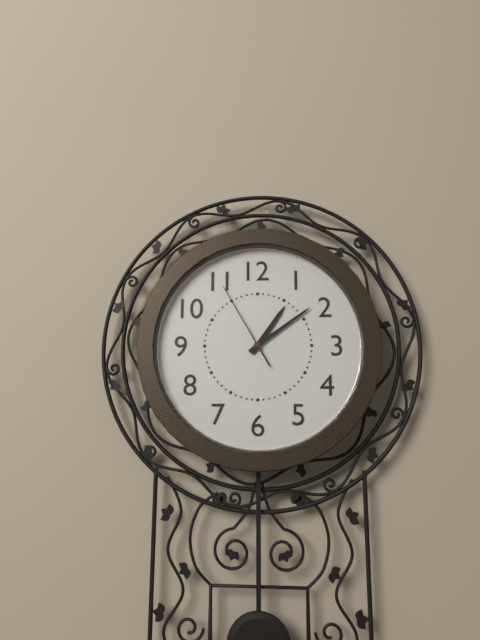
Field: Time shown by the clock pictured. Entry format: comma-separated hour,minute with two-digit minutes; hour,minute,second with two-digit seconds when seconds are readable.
1,09,55
